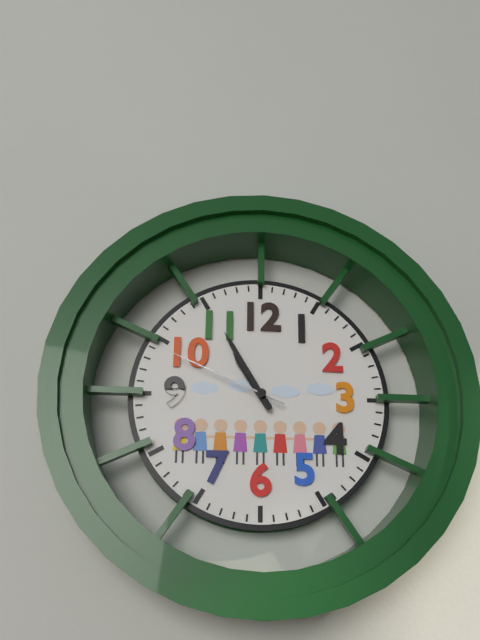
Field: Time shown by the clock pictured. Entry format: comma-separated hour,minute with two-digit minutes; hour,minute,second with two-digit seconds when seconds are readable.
10,55,49
